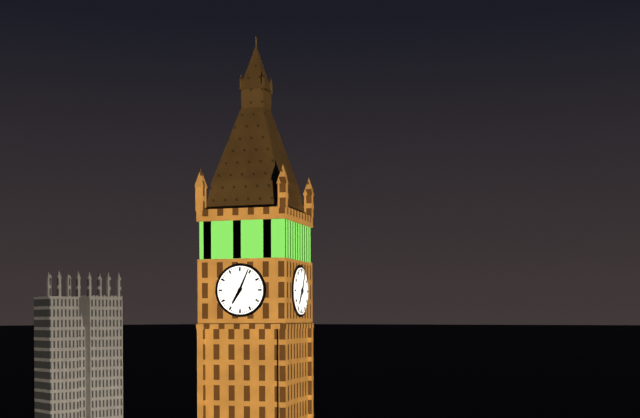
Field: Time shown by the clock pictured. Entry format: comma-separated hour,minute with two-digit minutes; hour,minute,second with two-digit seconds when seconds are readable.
7,04
